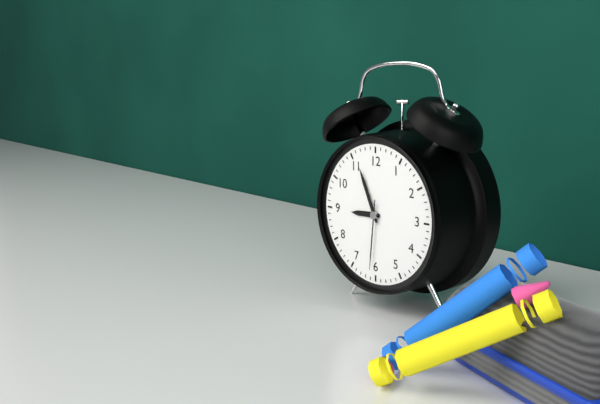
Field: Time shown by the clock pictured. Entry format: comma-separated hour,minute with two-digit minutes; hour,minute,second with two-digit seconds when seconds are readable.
8,56,31
